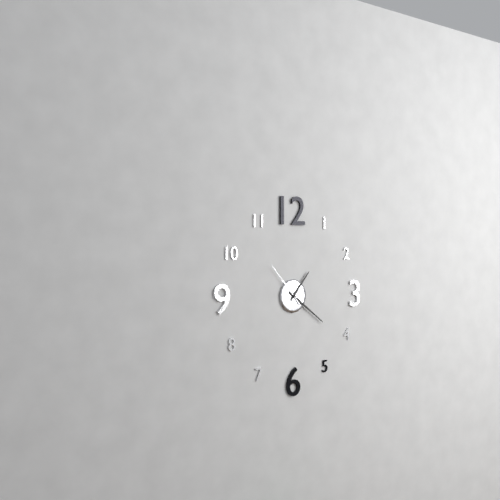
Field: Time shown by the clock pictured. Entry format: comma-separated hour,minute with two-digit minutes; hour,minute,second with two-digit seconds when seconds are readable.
1,21
